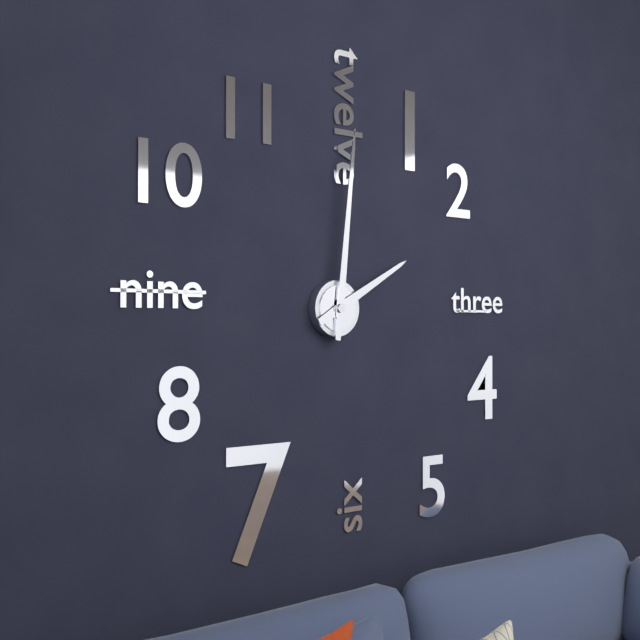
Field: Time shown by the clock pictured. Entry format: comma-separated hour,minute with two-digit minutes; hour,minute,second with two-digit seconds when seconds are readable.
2,01
